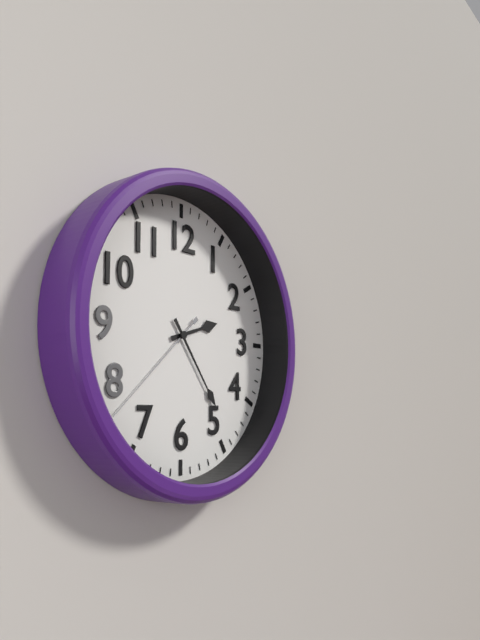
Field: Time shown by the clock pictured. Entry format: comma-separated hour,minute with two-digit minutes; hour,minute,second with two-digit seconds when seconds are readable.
2,24,38
